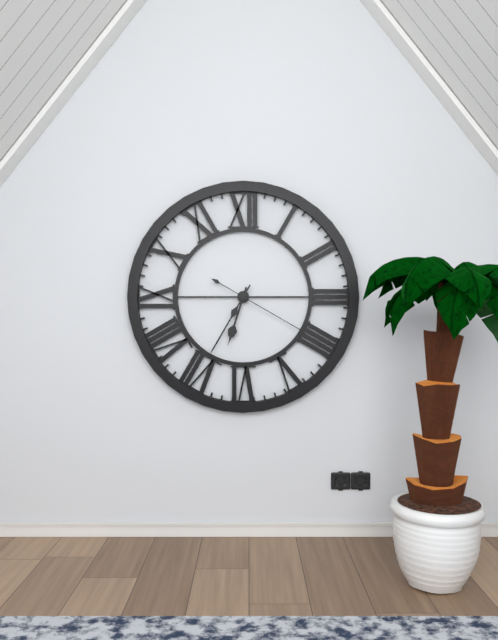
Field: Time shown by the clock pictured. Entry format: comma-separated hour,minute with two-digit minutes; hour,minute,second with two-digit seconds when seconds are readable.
6,35,20
